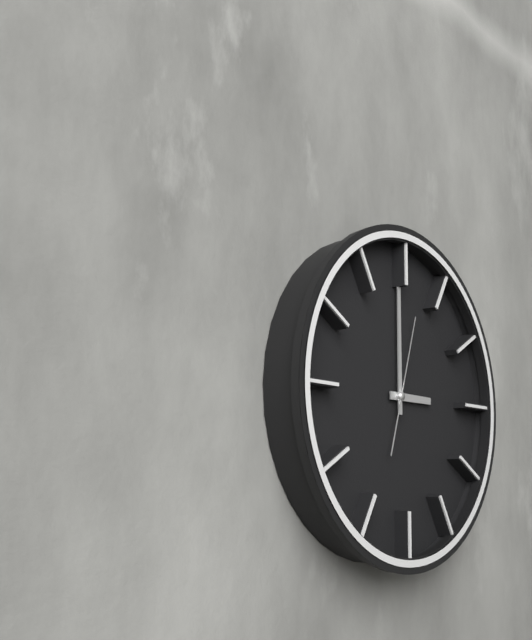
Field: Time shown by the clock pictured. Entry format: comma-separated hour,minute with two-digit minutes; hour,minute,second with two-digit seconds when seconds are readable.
3,00,03
